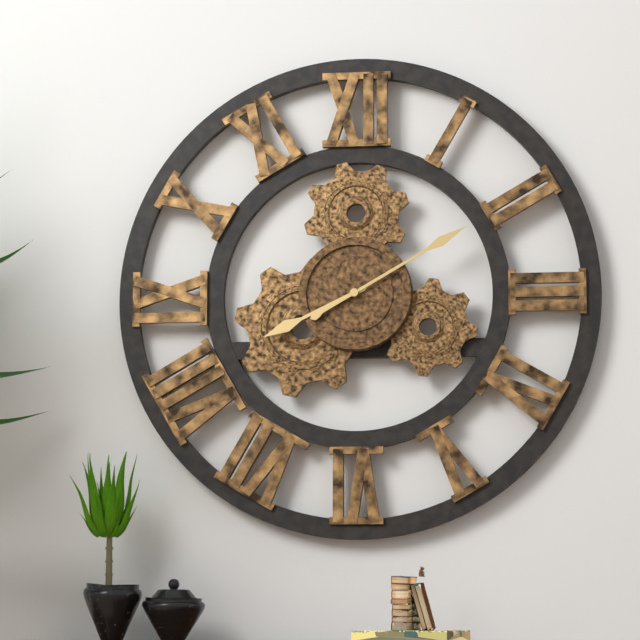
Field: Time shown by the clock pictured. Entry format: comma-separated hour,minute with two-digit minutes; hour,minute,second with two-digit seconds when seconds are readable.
8,10
